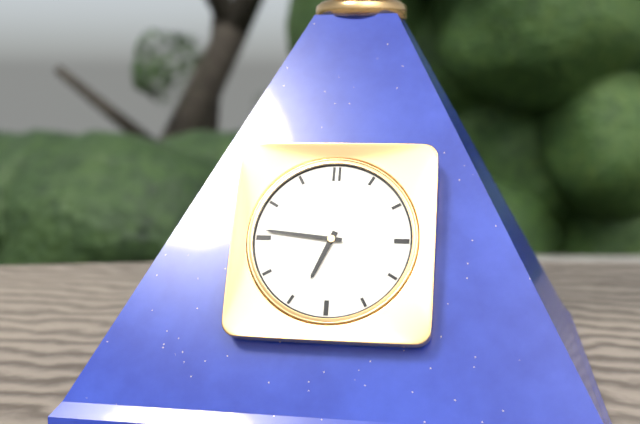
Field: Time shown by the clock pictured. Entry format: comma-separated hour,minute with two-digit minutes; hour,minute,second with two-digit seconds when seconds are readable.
6,46
